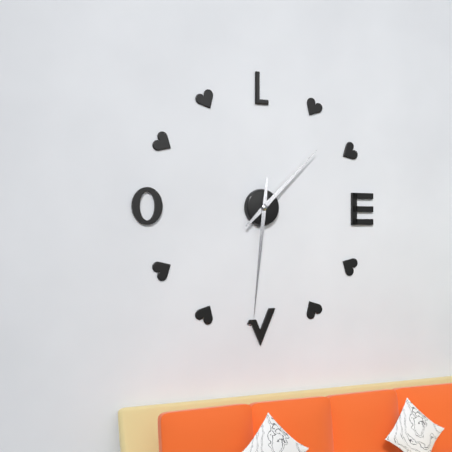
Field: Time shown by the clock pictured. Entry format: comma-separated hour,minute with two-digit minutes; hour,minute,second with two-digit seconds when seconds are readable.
1,31
